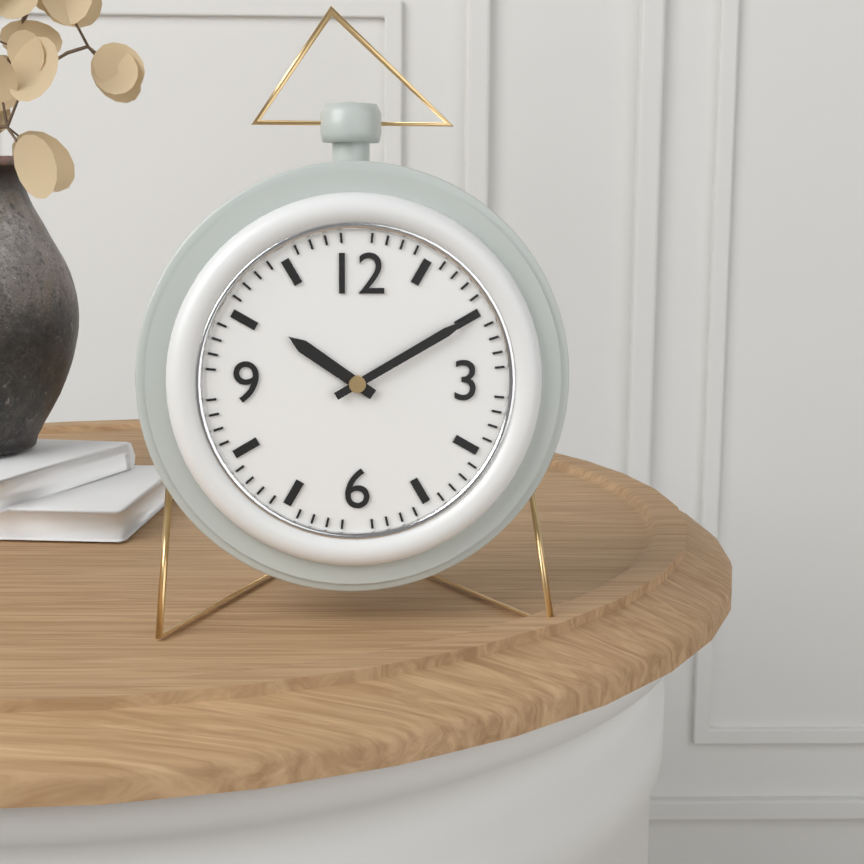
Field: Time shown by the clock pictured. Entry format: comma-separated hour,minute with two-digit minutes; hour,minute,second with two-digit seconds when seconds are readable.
10,10
